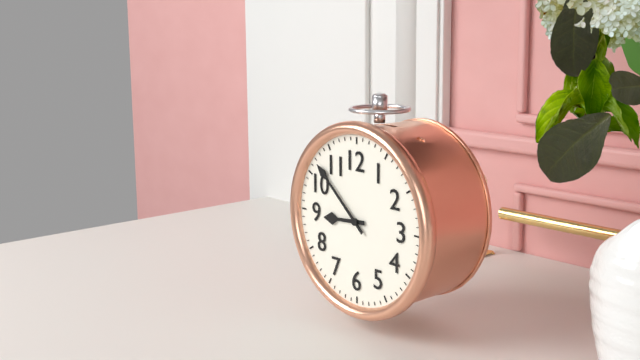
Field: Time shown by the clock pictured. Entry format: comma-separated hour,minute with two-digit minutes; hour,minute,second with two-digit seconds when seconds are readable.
8,52
